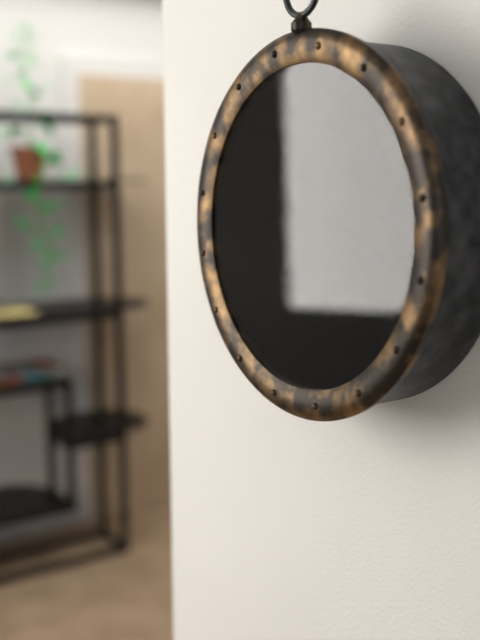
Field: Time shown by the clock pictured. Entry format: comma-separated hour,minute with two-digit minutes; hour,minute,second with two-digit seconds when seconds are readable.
8,02
